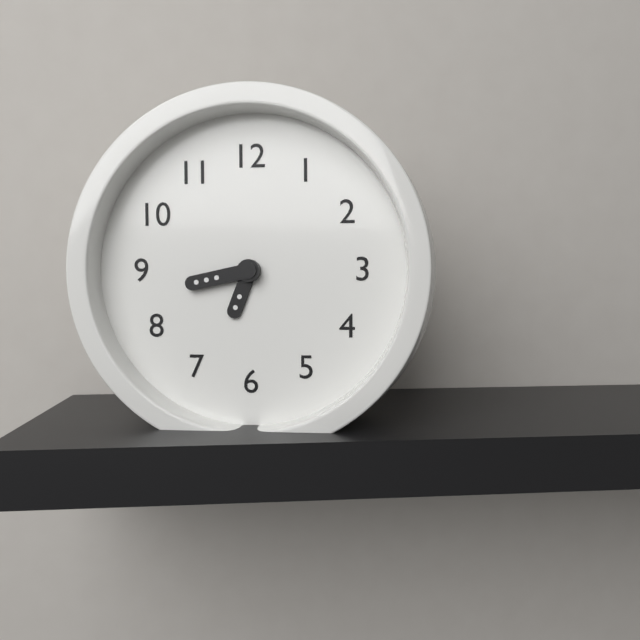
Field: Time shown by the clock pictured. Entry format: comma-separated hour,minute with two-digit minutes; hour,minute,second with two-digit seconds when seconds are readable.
6,43
